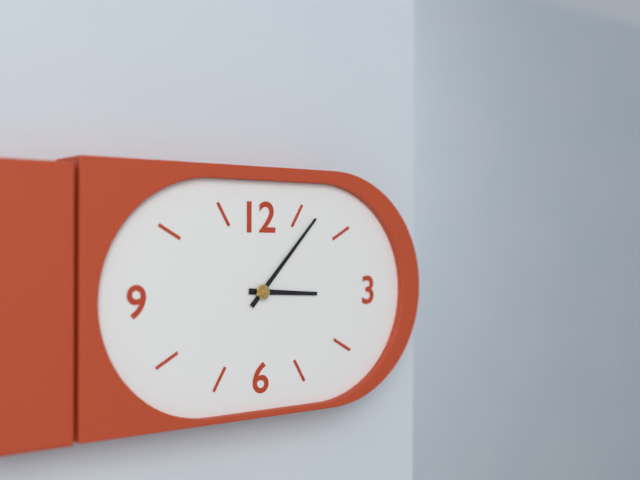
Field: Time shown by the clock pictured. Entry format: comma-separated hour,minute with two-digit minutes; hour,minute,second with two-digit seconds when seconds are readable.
3,07
